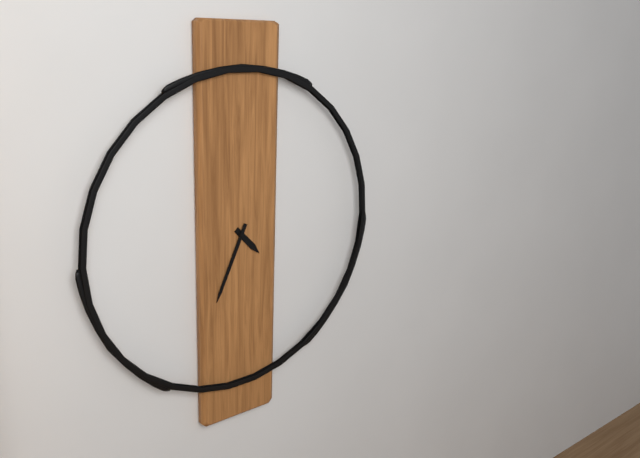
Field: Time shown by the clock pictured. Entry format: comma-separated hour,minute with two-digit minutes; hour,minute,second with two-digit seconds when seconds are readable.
4,34
